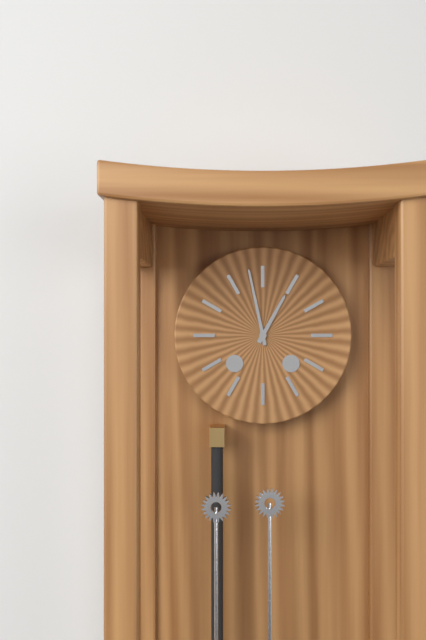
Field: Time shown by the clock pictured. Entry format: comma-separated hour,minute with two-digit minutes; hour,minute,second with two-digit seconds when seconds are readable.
12,58
